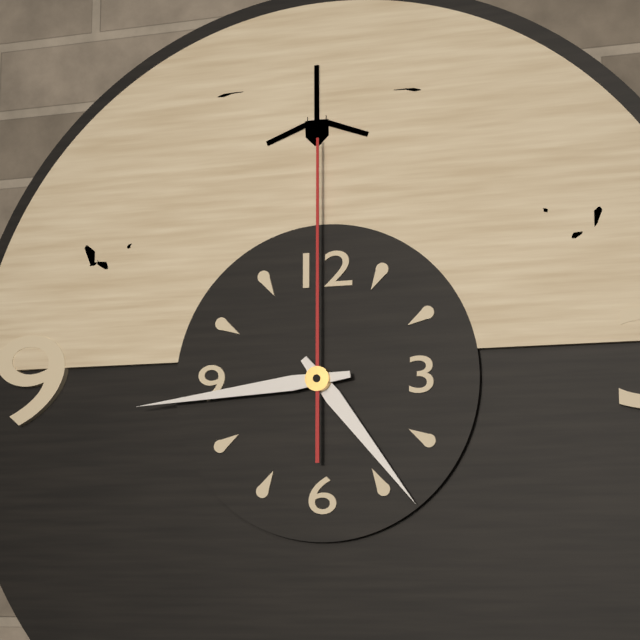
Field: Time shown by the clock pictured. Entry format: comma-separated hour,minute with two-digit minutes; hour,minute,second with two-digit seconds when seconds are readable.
4,44,00
